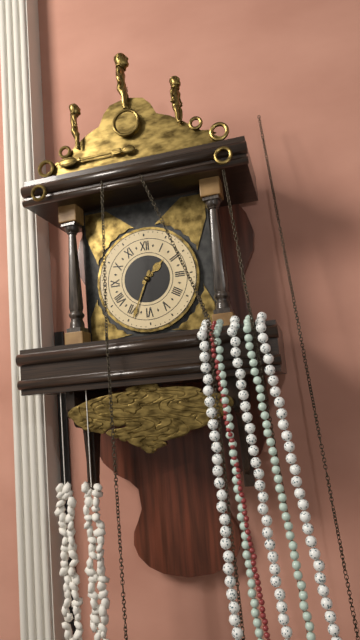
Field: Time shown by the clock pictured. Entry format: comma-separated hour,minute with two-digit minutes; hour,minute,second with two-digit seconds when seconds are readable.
1,34
